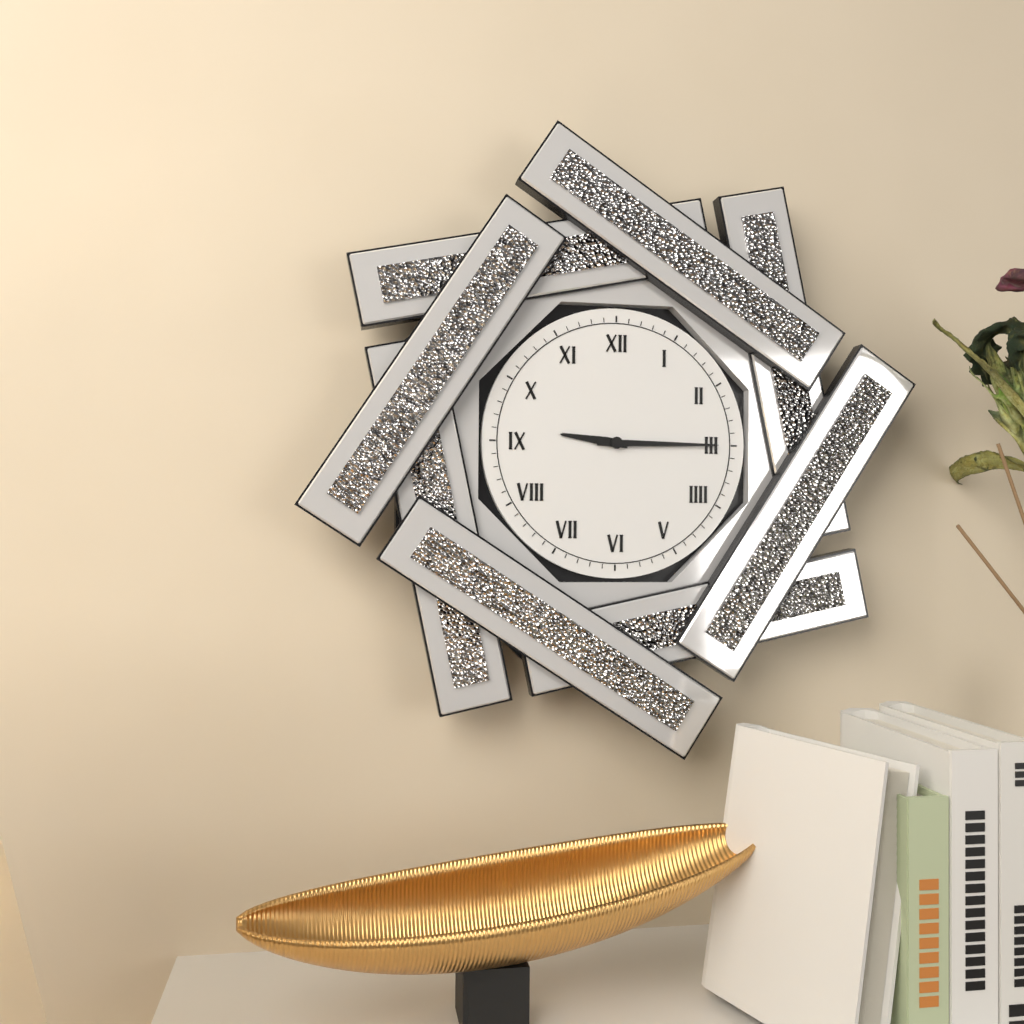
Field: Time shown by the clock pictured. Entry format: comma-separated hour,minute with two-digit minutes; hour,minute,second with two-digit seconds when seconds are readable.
9,15
